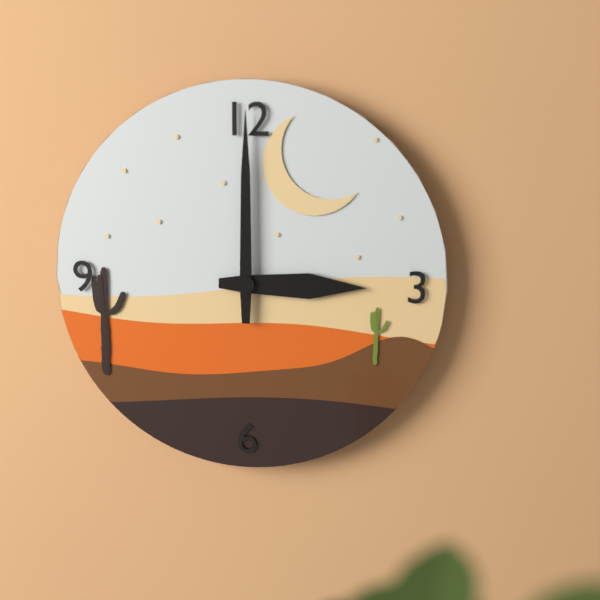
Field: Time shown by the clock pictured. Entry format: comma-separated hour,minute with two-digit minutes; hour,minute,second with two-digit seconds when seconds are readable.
3,00
